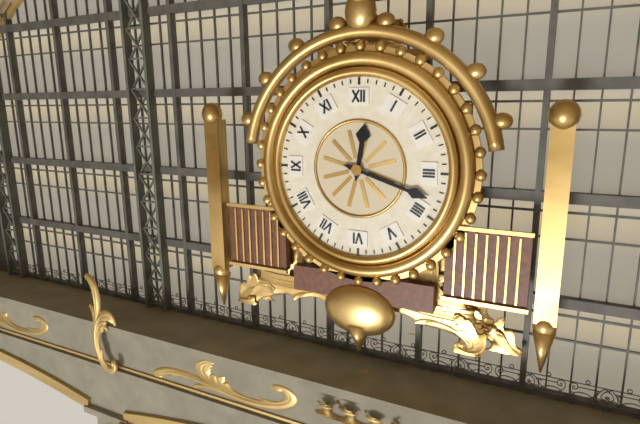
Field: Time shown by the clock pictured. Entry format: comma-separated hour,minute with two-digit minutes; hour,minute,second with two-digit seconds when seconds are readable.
12,18
